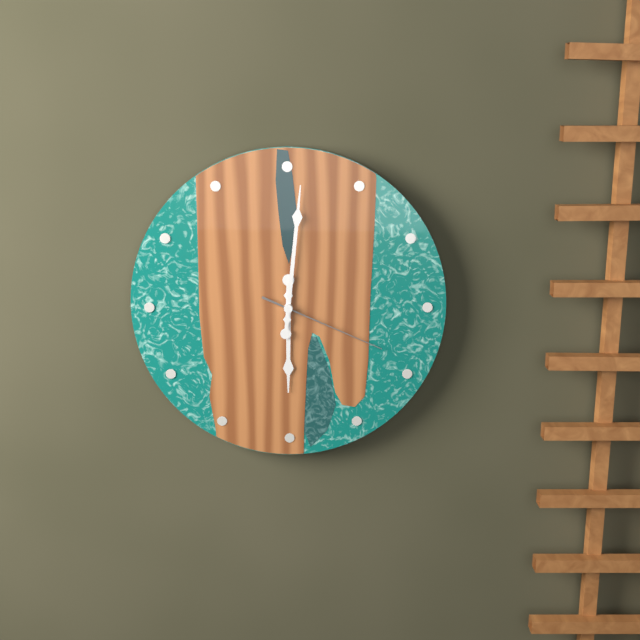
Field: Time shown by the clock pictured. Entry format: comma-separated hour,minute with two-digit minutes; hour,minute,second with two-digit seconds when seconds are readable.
6,01,19
